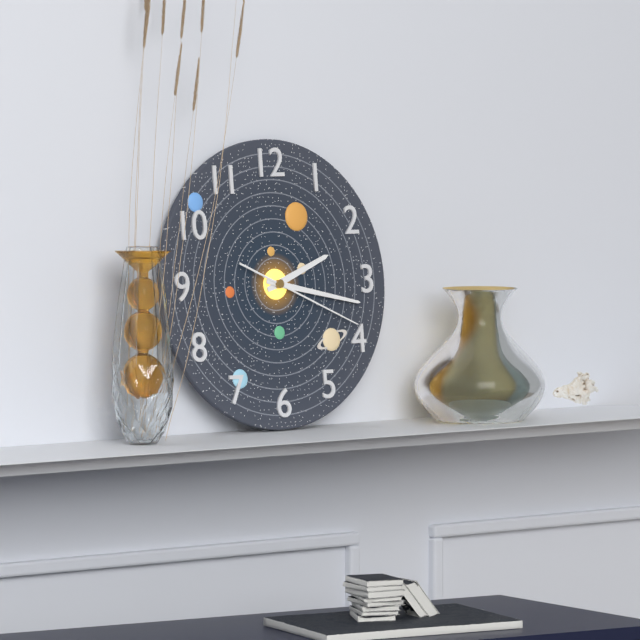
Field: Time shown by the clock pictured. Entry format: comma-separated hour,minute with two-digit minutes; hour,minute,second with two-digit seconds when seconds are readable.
2,17,19
